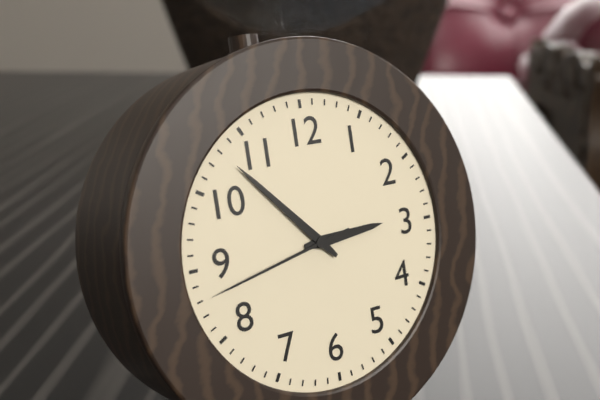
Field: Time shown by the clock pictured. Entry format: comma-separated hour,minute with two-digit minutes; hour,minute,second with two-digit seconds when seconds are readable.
2,53,43
